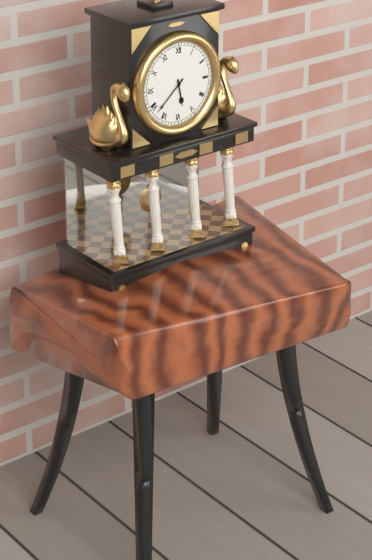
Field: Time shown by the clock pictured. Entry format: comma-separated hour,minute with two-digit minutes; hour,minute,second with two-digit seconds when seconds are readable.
5,38
